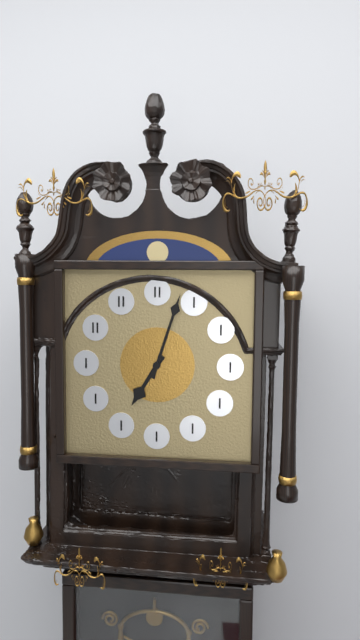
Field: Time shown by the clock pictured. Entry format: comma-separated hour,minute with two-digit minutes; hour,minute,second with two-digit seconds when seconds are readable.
7,03
